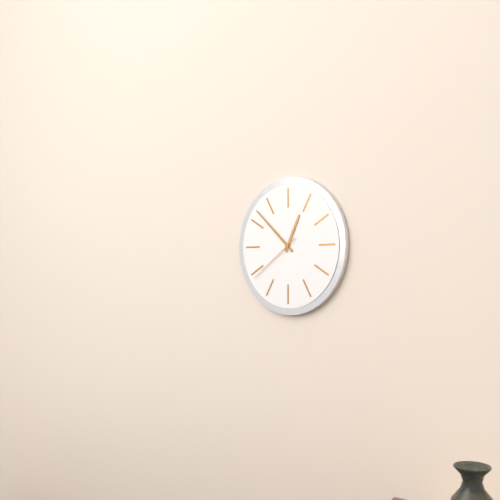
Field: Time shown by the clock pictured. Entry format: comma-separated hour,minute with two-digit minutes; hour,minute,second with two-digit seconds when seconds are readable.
12,52,39
